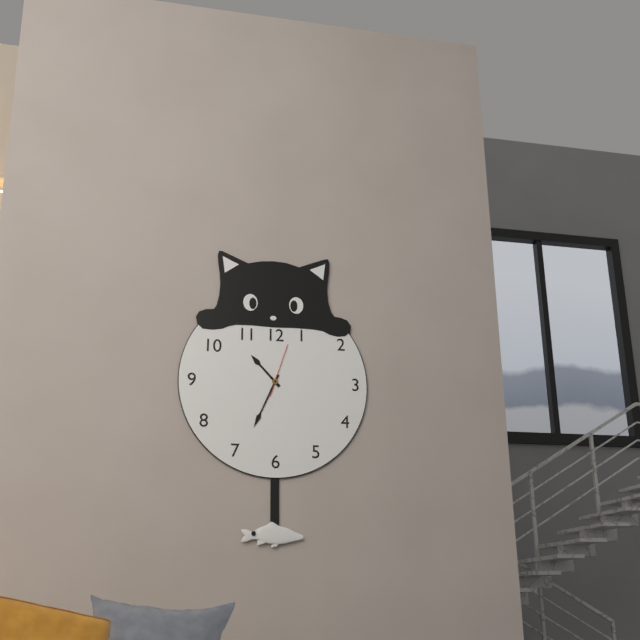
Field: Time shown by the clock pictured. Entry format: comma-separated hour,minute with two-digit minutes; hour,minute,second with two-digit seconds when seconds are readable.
10,34
